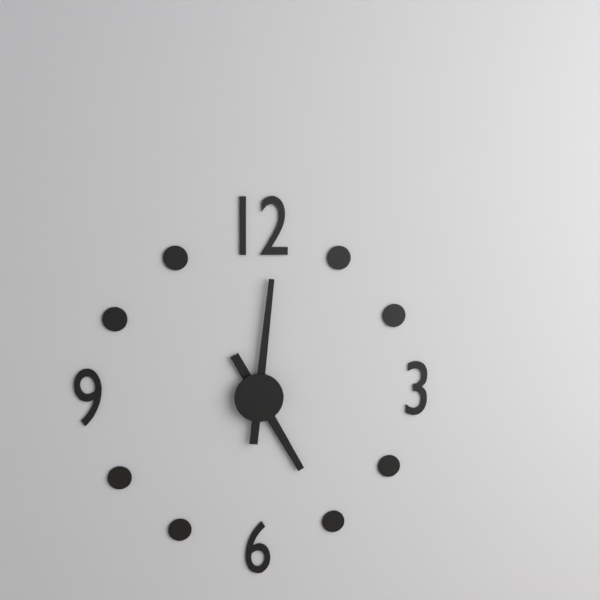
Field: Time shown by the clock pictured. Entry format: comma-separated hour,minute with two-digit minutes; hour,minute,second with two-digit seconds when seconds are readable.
5,01
